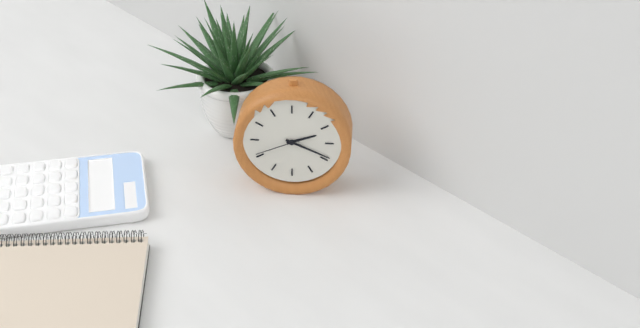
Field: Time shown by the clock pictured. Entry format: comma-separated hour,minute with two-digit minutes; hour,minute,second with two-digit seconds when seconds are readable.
2,19,41
